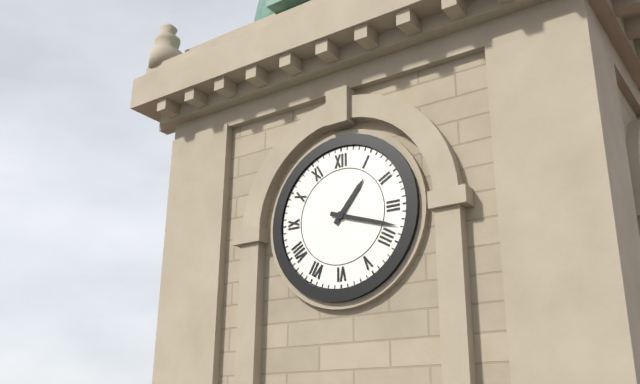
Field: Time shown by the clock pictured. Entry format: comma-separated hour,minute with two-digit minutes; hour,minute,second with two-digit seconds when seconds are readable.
1,18
